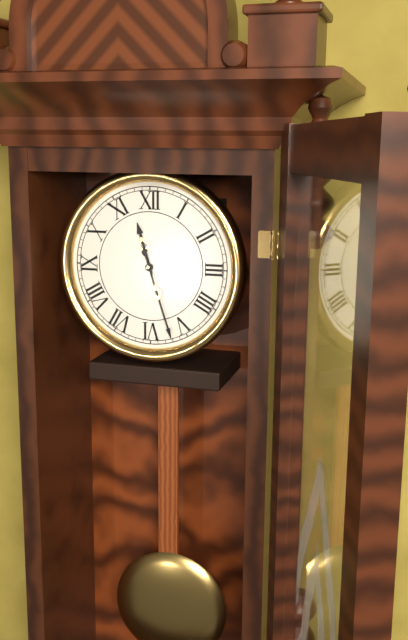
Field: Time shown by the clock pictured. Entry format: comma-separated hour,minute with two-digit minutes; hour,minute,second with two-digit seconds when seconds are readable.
11,27
